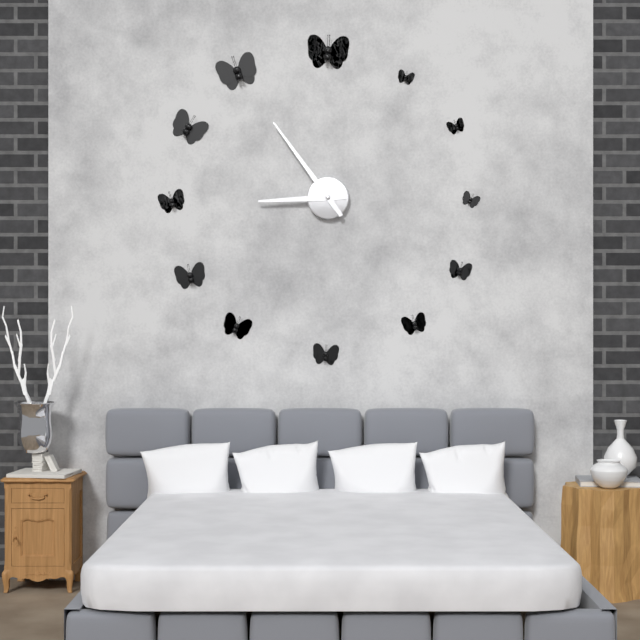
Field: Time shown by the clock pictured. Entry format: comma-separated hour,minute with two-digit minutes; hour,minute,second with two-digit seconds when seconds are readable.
8,54
